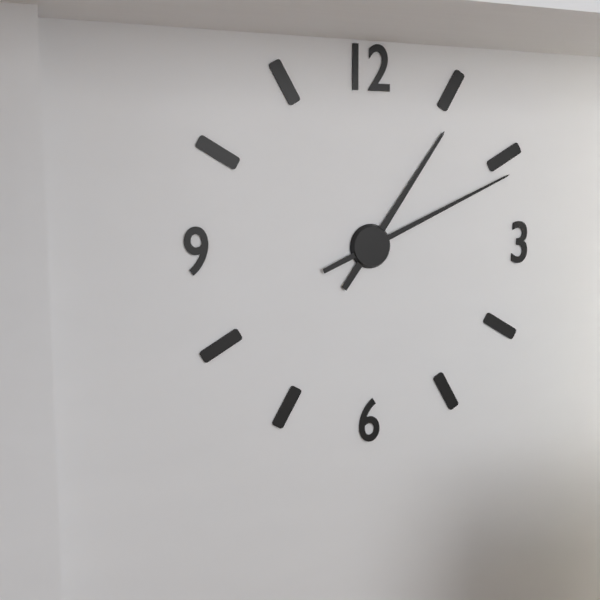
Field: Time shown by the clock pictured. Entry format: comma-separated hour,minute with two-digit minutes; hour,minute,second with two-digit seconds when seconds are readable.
1,11
